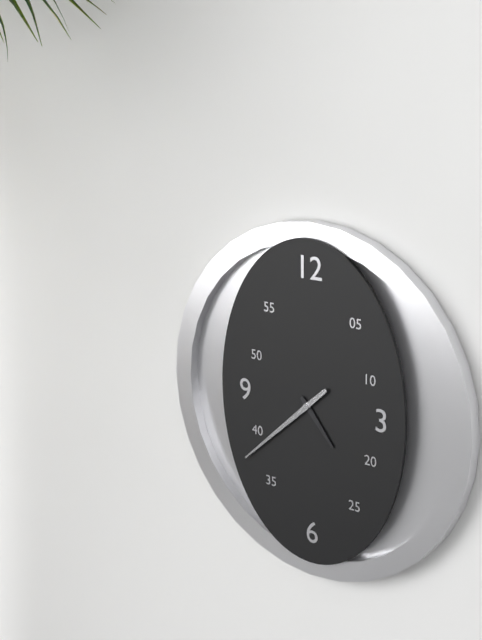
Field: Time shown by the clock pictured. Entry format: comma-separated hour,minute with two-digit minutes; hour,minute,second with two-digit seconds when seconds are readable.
4,38
